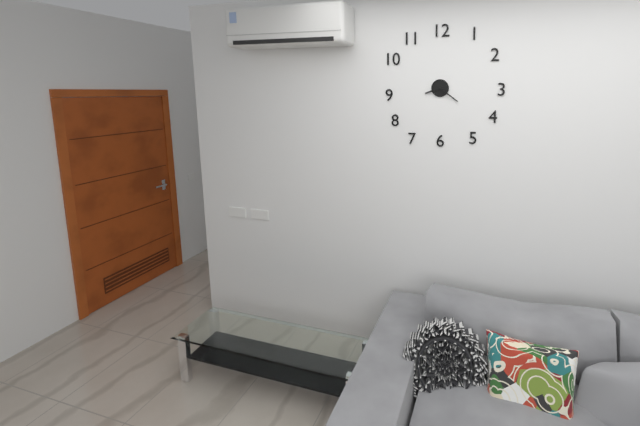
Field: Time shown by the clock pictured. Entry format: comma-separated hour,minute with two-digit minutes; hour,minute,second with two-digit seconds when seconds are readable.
8,21
